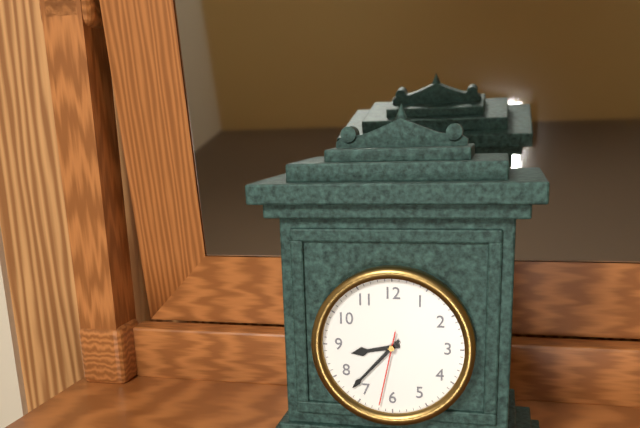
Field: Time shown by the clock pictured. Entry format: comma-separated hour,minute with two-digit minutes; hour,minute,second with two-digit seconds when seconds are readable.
8,37,32
